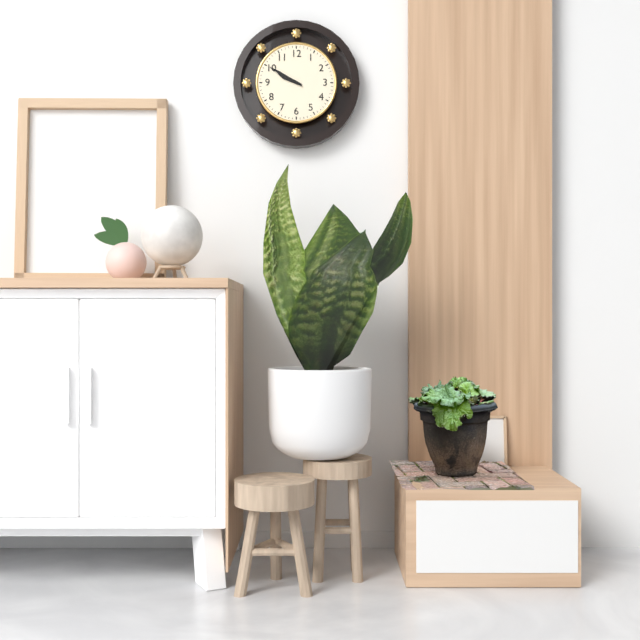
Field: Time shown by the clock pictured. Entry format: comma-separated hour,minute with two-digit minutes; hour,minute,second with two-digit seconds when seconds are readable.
9,50
